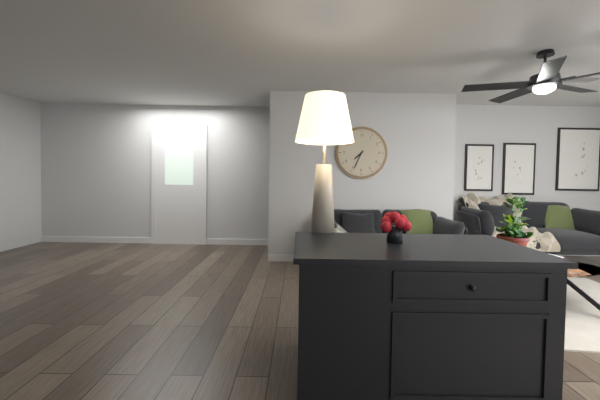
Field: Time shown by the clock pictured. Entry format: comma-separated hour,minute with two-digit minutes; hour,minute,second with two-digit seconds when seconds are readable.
7,34
